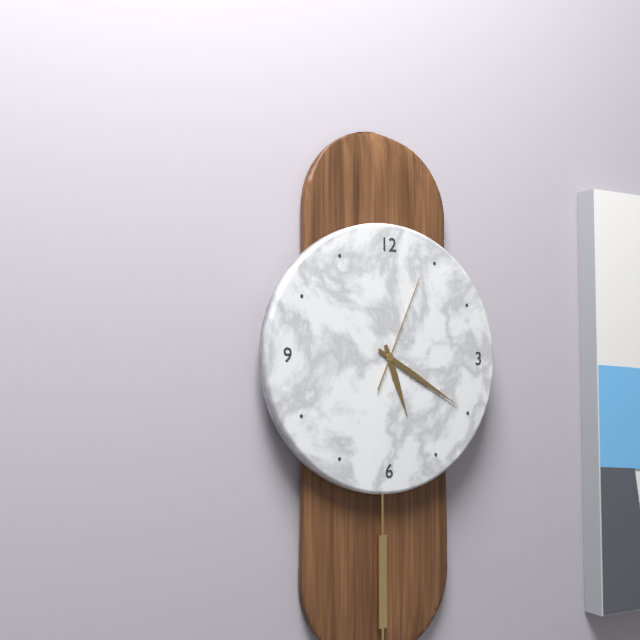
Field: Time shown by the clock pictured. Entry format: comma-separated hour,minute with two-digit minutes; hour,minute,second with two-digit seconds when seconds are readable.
5,20,04
